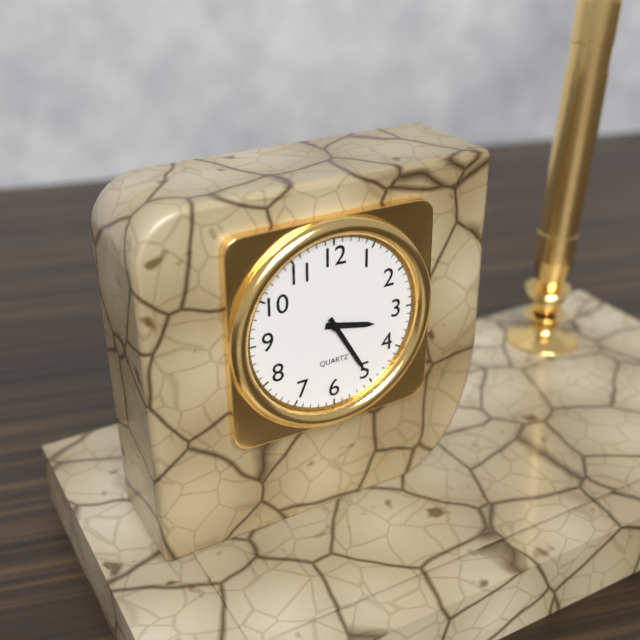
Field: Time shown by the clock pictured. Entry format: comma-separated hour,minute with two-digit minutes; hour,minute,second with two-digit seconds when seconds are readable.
3,25
